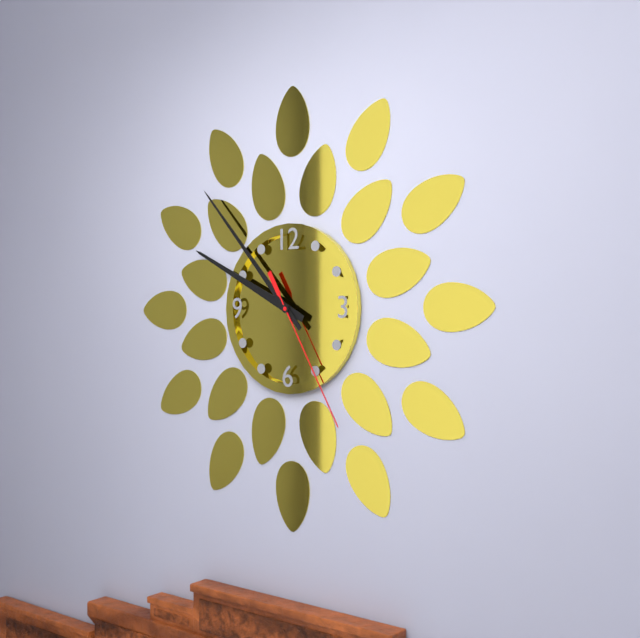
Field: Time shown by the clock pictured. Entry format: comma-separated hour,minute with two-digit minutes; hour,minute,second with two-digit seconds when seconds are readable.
9,53,25
